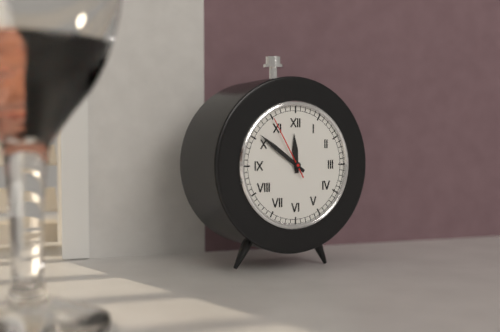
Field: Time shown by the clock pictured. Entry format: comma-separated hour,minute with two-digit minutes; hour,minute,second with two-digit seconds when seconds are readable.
11,51,55
